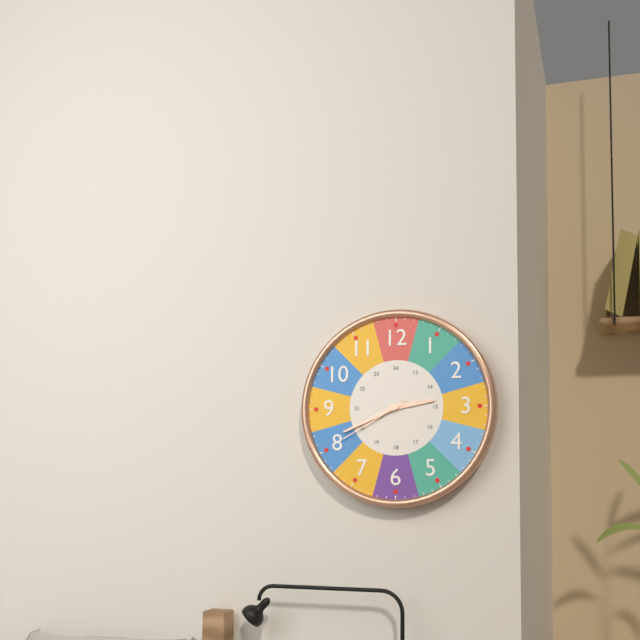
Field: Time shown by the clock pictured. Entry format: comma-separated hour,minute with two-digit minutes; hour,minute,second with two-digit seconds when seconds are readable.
2,41,40
